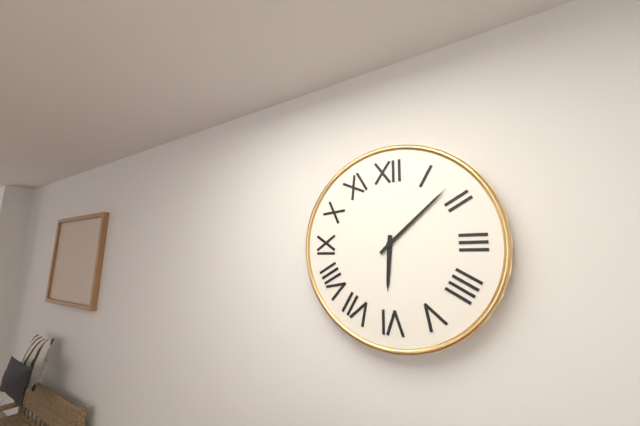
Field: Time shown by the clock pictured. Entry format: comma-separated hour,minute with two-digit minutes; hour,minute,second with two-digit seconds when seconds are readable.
6,08
